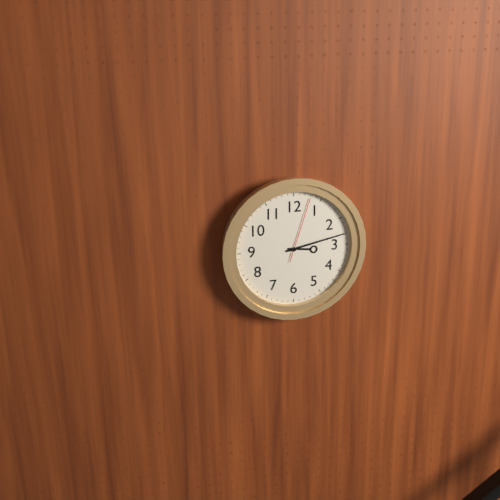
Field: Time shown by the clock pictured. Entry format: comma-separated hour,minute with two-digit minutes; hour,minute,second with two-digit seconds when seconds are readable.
3,13,03
